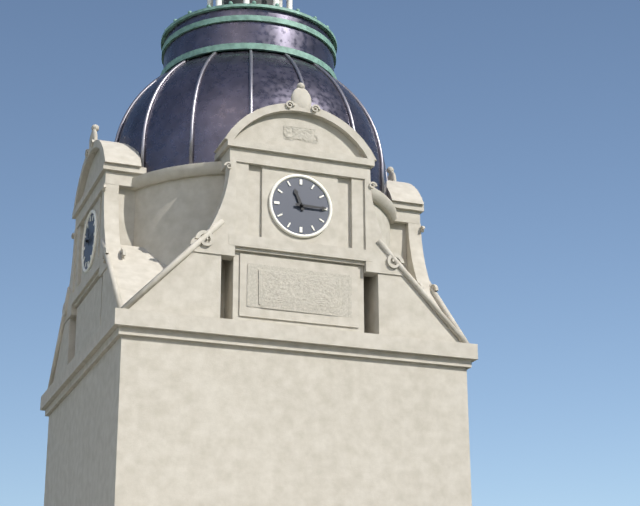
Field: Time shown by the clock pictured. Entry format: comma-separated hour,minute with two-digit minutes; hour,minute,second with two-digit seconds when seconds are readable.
11,15
